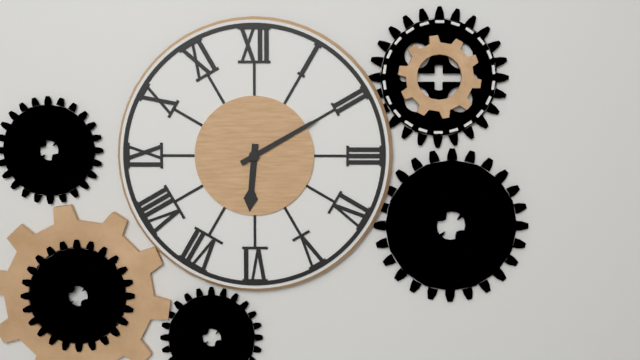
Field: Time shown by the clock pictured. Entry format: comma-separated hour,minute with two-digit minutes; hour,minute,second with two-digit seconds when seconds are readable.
6,10
